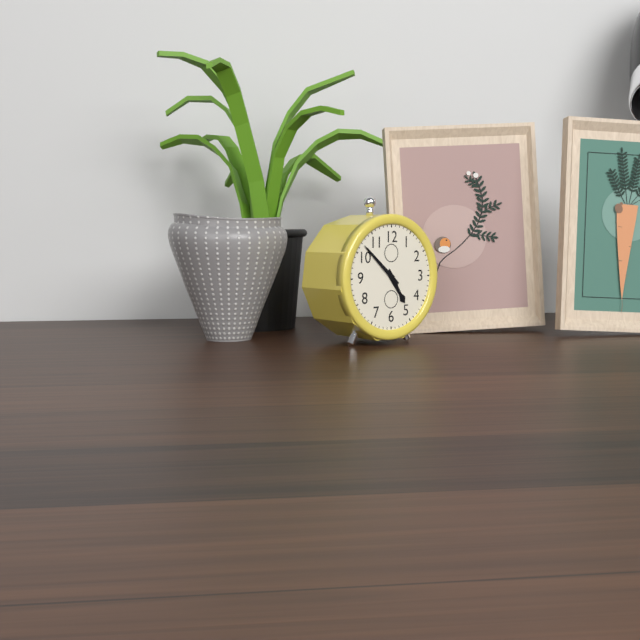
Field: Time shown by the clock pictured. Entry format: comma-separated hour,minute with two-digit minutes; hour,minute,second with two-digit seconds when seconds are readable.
4,52
